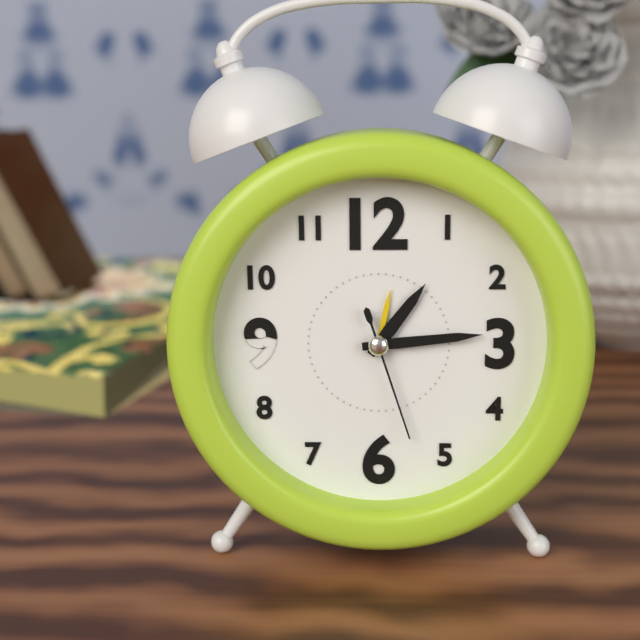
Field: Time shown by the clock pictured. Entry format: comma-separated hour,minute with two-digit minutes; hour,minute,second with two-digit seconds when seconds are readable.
1,14,27
